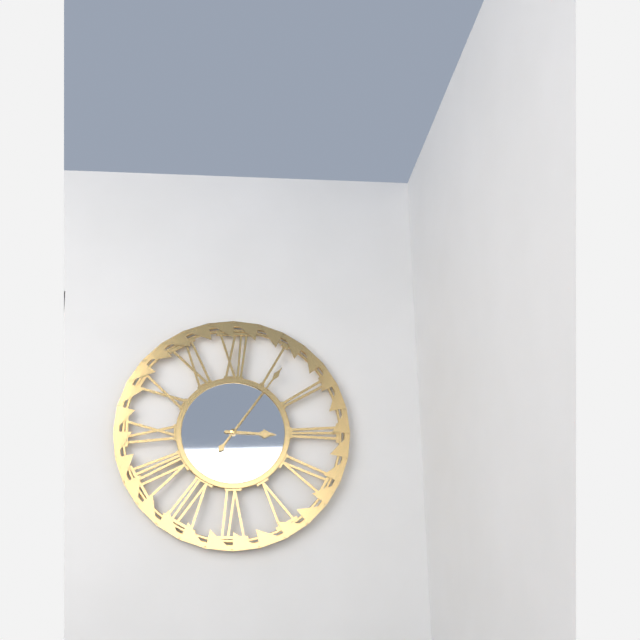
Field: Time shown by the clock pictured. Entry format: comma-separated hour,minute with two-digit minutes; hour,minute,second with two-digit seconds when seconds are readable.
3,06
